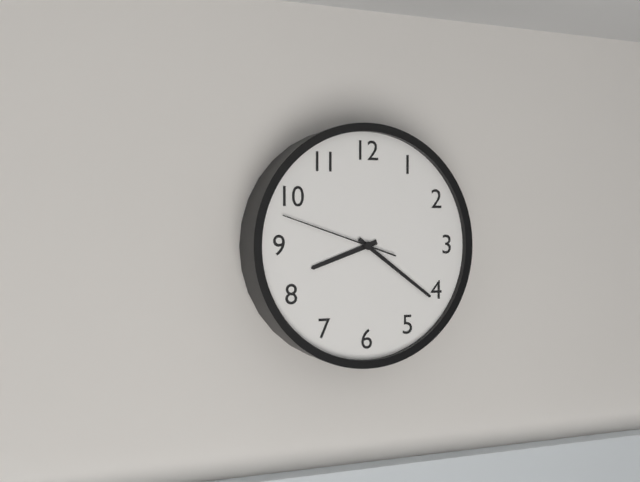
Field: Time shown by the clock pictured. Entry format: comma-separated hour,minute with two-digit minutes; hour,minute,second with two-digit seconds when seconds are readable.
8,21,48
